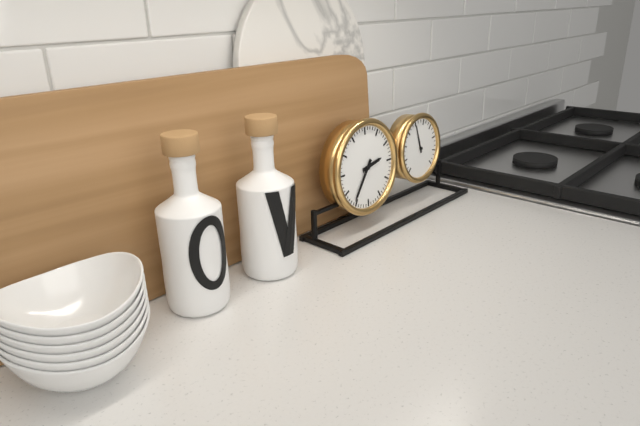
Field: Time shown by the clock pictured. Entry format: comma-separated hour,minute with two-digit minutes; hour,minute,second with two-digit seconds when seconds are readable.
2,36
